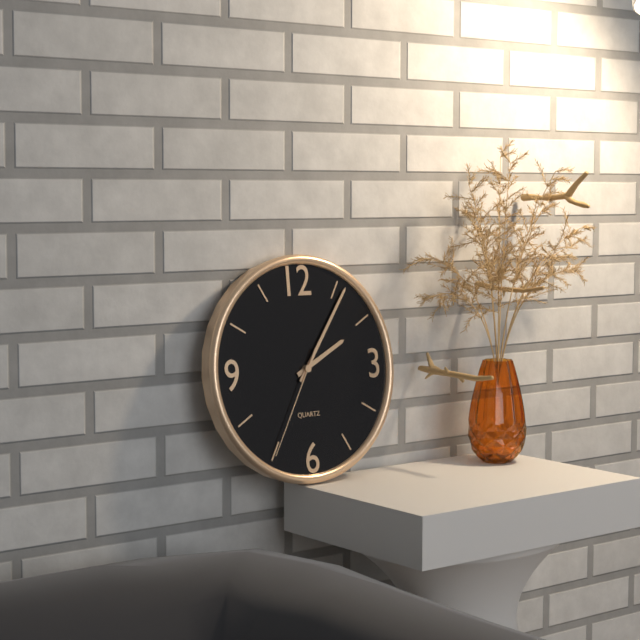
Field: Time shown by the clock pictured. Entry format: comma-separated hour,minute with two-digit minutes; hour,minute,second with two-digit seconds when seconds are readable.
2,06,35
